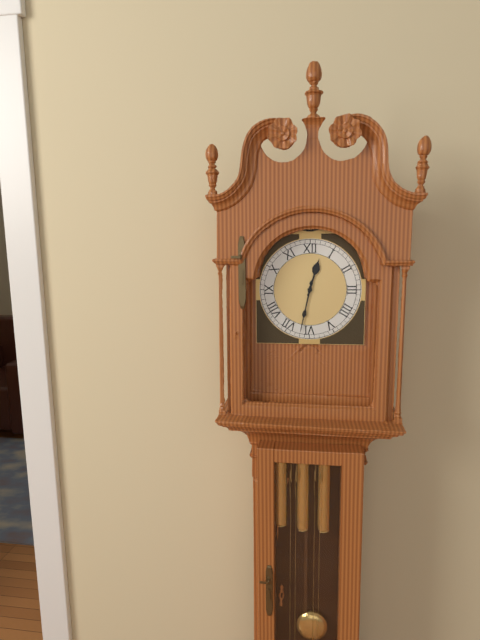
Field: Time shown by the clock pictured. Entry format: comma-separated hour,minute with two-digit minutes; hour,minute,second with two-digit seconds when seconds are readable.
12,32
